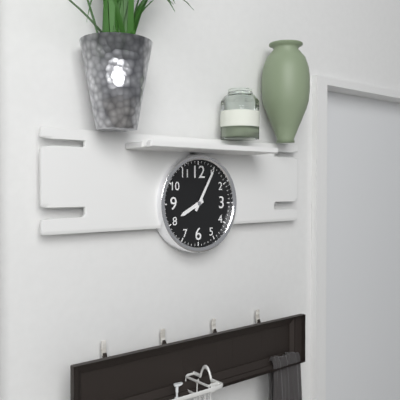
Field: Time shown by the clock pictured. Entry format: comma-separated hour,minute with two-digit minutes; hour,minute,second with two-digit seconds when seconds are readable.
8,05
